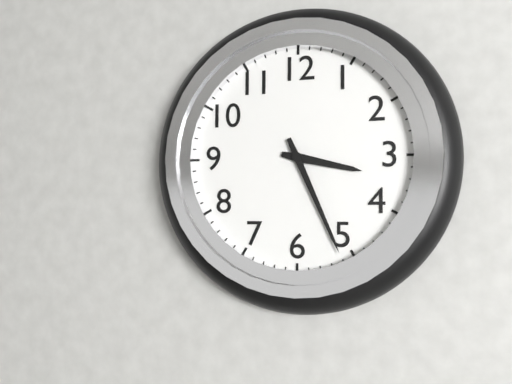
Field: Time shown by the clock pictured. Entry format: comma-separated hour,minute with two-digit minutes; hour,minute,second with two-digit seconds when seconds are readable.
3,26
